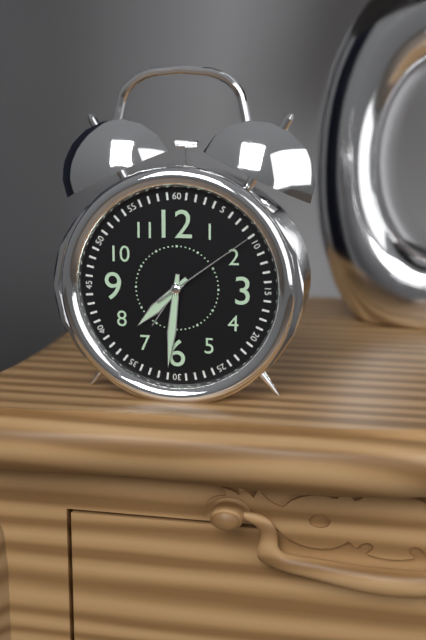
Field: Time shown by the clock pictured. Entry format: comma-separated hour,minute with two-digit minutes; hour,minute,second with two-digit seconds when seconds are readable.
7,31,09
